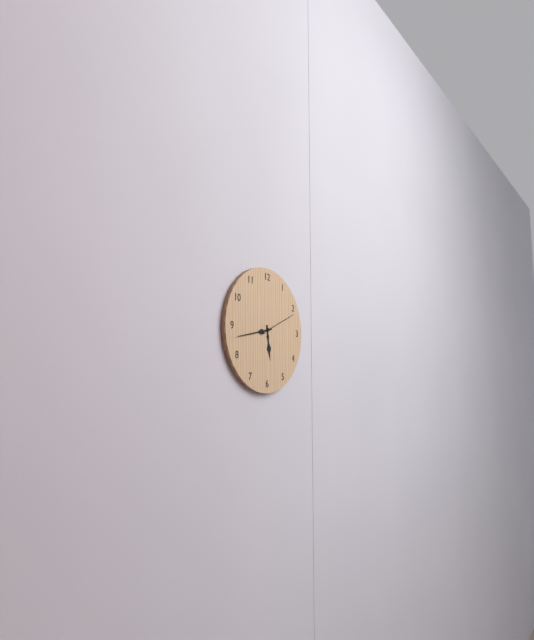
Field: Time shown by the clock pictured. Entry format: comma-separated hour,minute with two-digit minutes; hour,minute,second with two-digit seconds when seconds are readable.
5,43
